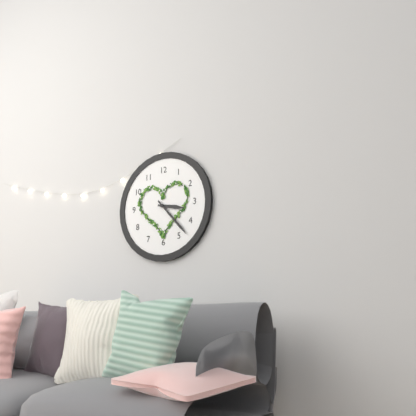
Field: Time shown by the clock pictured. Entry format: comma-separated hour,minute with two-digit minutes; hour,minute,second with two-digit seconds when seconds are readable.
3,23
